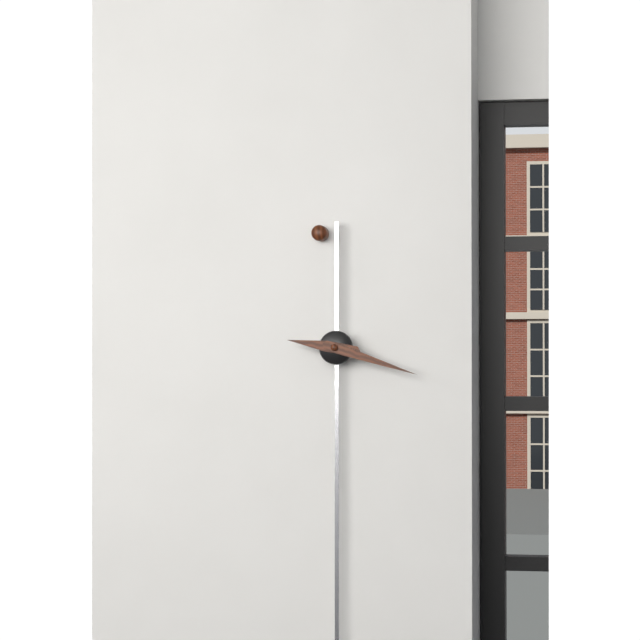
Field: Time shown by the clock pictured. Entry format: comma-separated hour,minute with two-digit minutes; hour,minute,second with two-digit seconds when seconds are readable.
9,18
